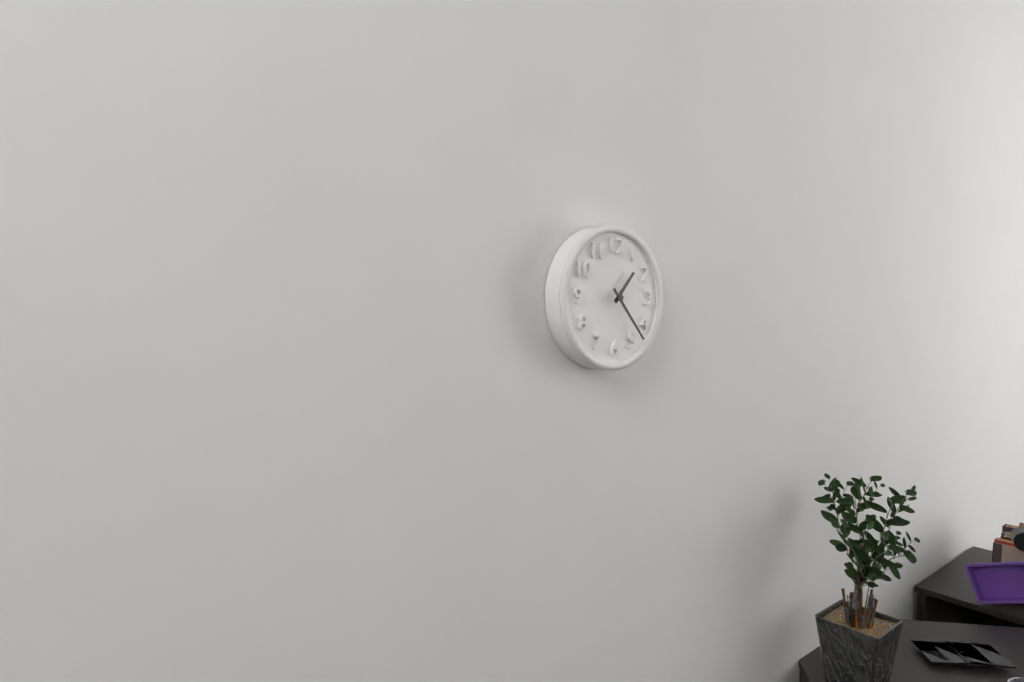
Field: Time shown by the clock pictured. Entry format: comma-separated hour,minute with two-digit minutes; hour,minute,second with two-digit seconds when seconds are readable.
1,23
